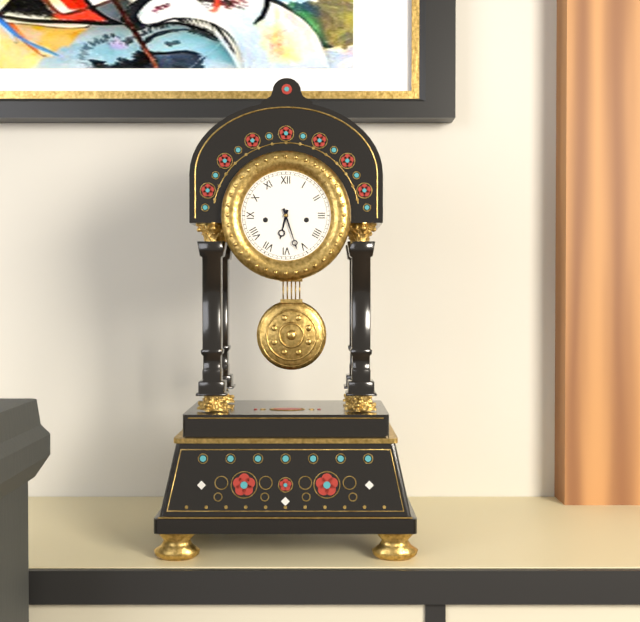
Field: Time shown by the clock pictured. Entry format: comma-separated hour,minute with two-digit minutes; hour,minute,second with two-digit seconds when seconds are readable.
6,27
